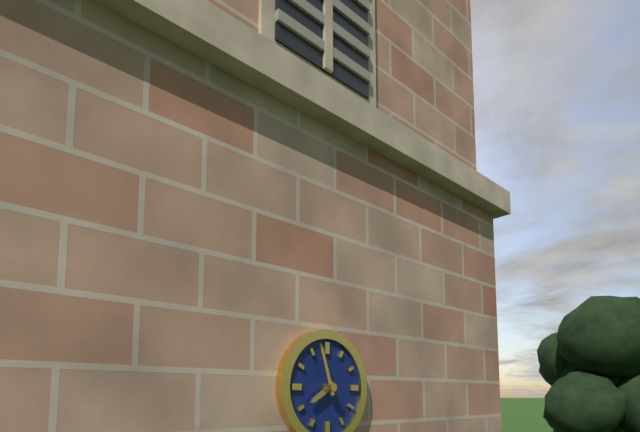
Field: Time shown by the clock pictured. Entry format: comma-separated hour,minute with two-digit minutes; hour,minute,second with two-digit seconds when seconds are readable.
7,57
